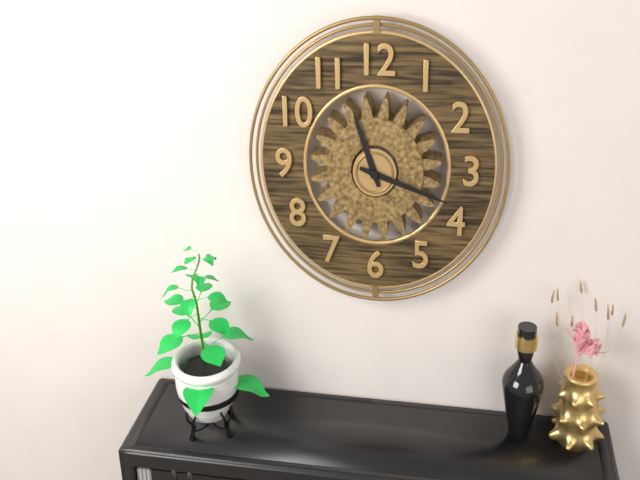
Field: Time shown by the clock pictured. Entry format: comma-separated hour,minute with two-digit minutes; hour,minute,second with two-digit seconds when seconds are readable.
11,18
